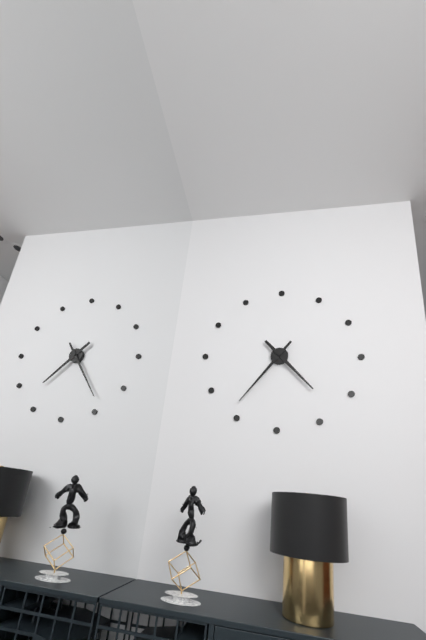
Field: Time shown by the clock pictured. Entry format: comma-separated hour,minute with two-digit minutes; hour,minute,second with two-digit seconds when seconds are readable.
4,36
